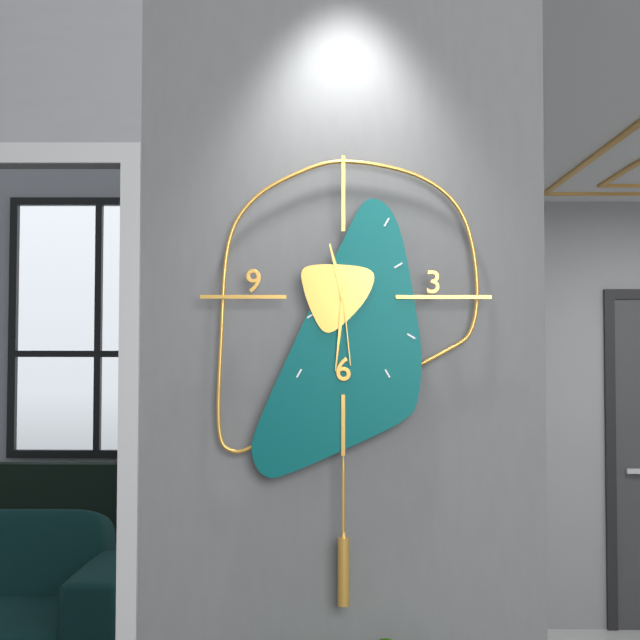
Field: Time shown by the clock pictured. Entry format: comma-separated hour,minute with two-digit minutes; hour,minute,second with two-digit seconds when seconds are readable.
11,31,29
